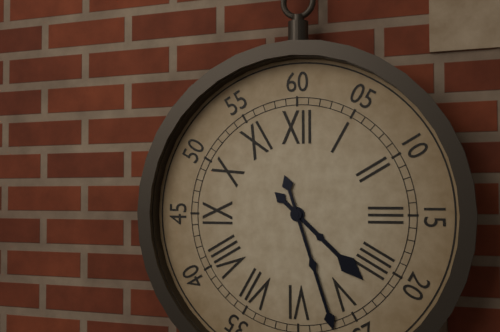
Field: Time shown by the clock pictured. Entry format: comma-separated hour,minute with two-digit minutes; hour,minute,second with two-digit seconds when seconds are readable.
4,27
